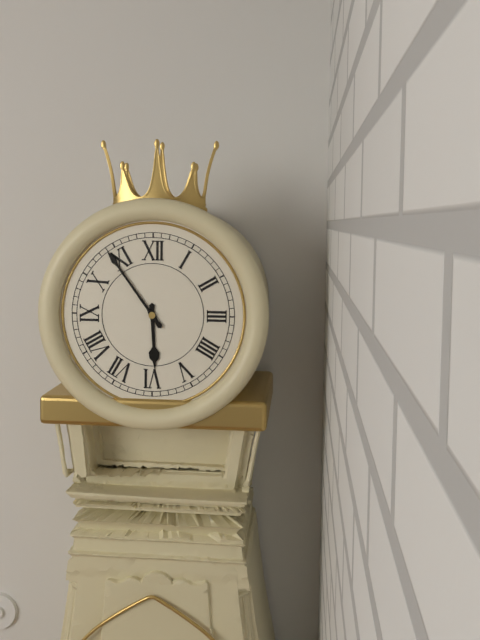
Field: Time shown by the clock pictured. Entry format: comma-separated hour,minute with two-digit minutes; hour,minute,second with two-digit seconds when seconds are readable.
5,54
